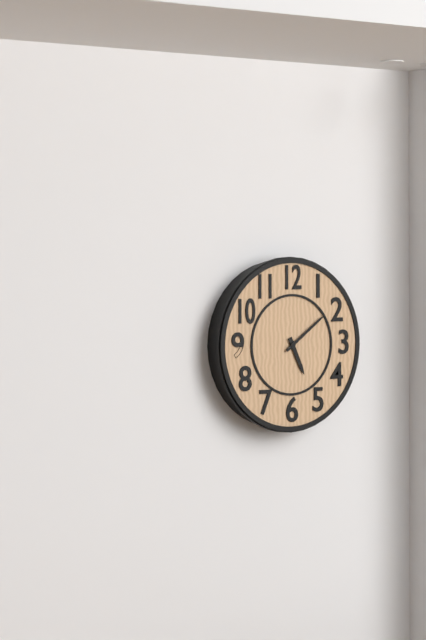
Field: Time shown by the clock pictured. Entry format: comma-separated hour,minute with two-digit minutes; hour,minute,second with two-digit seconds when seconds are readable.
5,09
